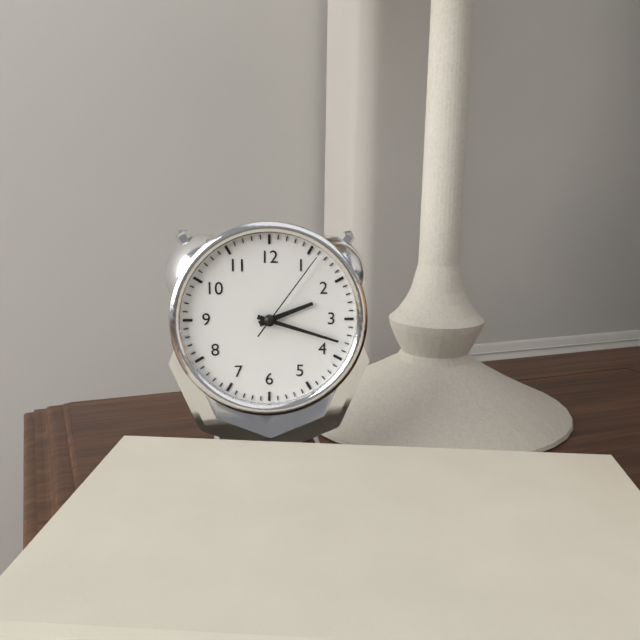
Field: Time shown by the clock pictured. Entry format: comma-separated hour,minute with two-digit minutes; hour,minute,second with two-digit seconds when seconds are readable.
2,18,06
